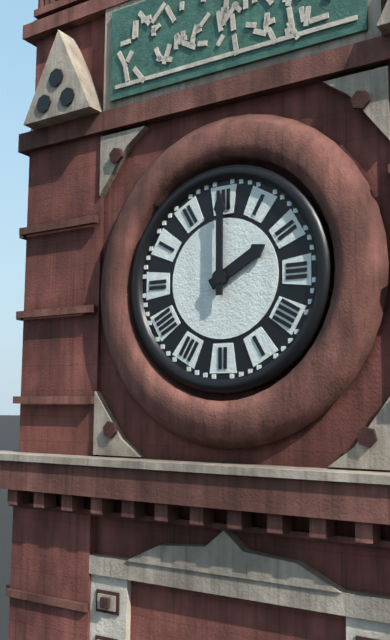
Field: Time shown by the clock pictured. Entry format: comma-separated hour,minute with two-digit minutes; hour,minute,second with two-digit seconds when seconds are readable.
2,00
